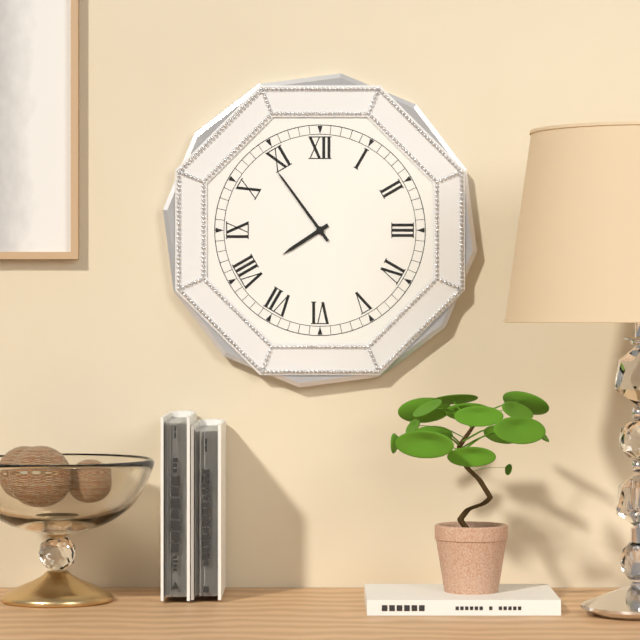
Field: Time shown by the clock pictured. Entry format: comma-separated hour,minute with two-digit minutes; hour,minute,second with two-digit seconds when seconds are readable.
7,54
